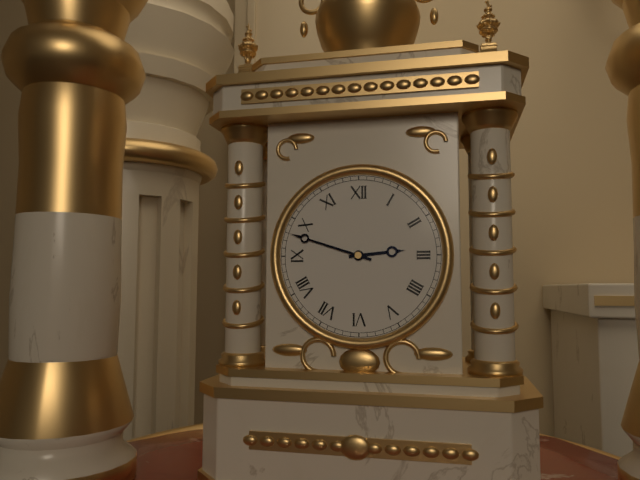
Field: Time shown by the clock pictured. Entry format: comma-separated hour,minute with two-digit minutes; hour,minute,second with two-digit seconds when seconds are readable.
2,48
